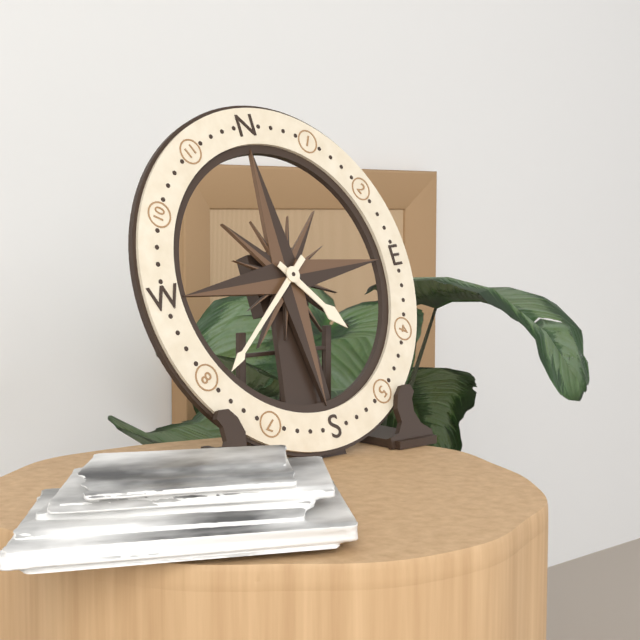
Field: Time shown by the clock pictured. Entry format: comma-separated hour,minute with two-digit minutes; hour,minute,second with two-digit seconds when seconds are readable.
4,39
